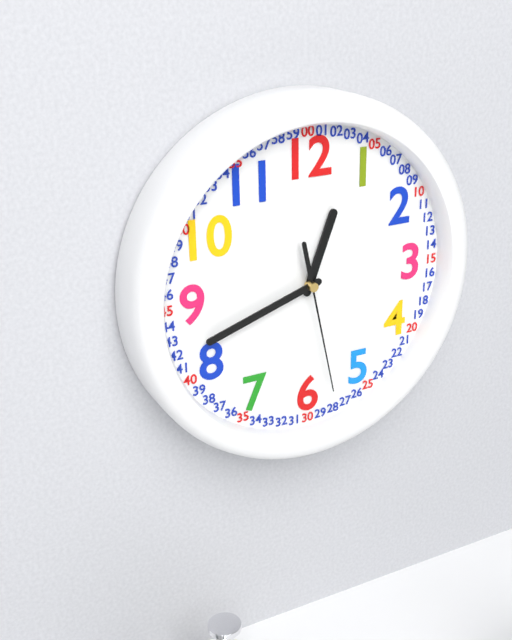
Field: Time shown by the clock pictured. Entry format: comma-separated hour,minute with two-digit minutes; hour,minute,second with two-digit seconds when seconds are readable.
12,42,28
